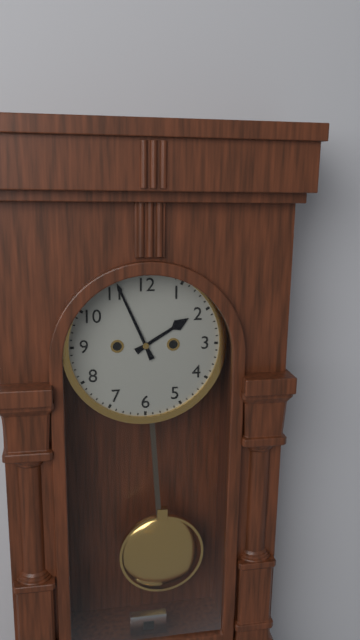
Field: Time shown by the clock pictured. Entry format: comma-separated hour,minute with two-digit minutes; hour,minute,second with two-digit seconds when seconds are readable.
1,56
